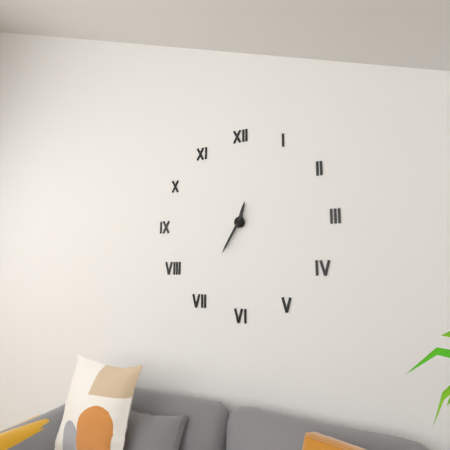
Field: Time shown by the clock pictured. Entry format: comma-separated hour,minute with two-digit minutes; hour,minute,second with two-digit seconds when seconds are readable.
12,35
